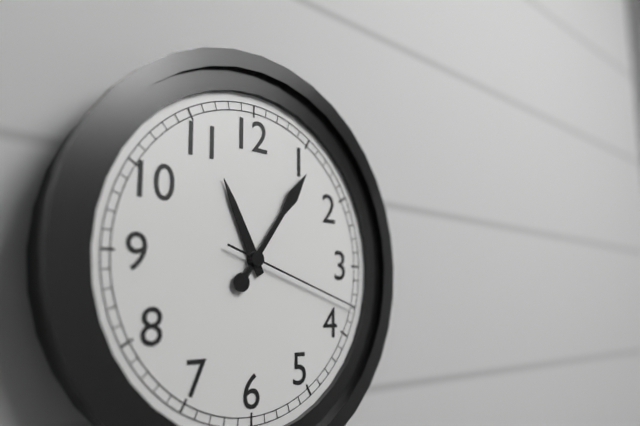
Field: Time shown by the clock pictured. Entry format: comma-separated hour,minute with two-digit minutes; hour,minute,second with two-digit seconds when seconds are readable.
11,06,18
